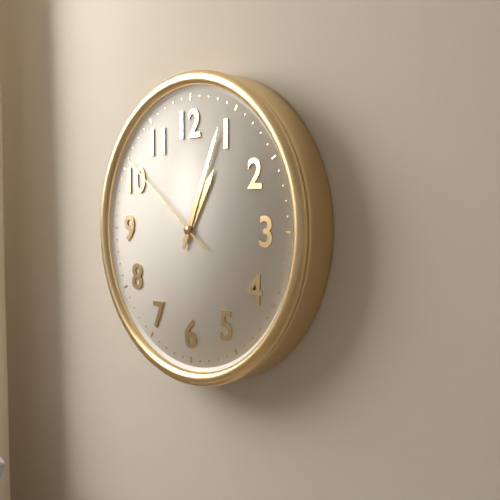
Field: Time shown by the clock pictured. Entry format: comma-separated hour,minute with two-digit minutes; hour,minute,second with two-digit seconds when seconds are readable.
1,04,51
